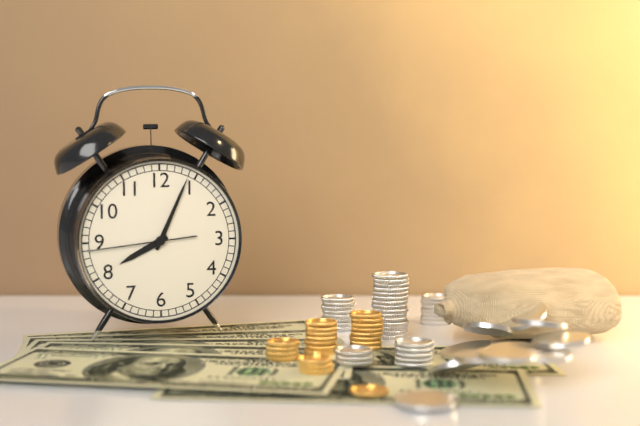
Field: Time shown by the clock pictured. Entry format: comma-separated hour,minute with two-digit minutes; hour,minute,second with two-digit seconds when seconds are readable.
8,04,44
